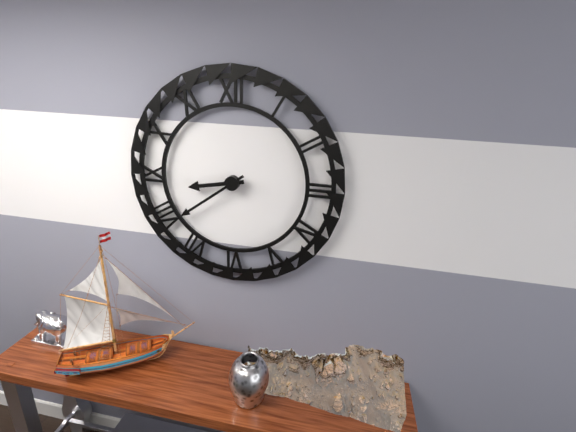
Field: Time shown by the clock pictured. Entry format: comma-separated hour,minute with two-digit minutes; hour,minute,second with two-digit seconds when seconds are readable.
8,39
